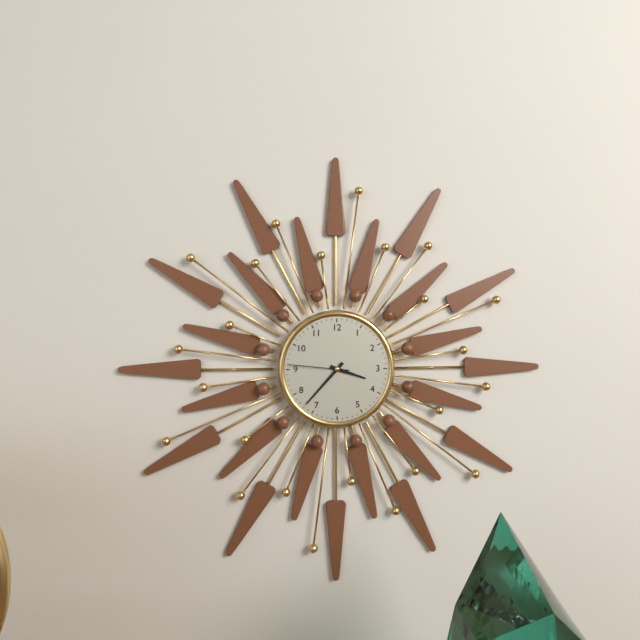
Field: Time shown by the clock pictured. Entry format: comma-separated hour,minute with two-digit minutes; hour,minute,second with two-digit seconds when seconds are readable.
3,37,46
